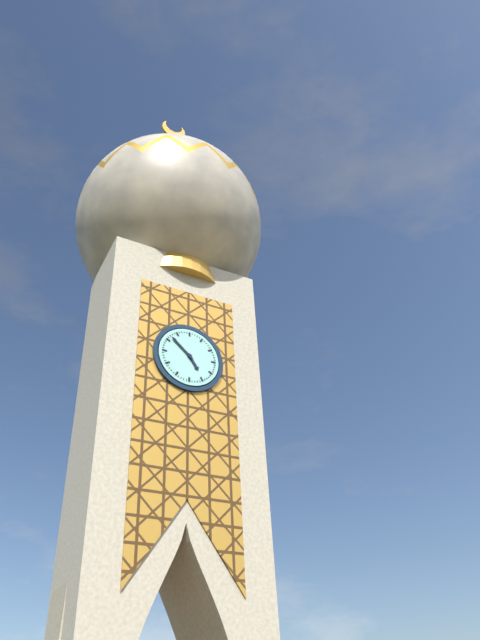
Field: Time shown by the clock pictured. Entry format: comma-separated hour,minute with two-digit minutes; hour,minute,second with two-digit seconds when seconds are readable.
4,52
